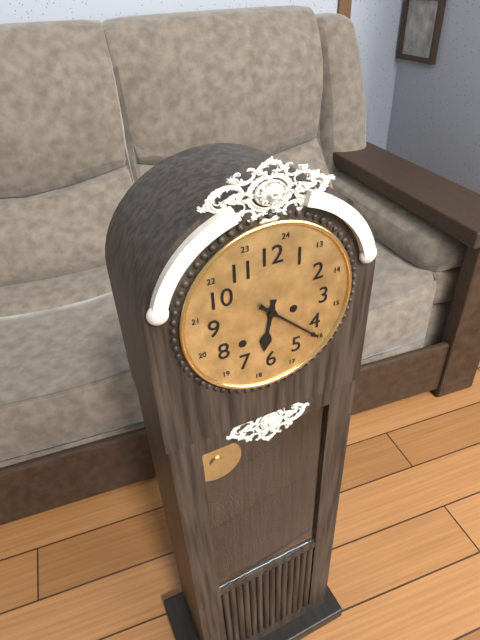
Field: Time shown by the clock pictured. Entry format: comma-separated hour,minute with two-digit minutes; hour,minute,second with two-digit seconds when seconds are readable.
6,22
